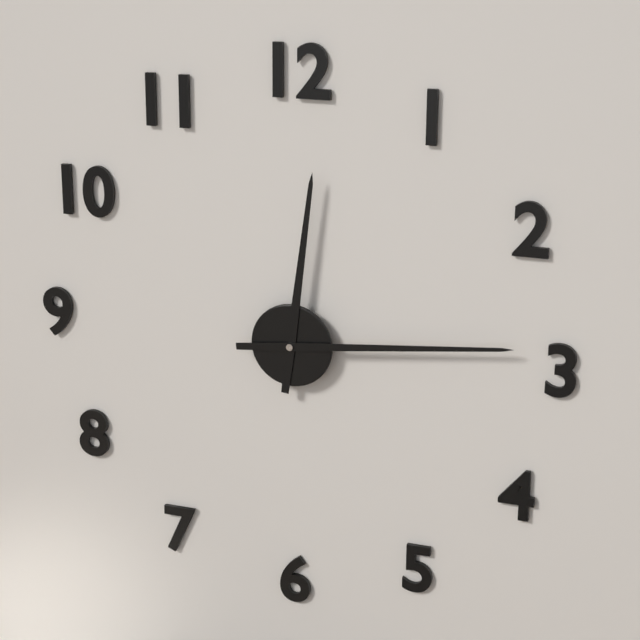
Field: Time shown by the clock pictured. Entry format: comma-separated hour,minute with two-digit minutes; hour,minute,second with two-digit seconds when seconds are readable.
12,14
